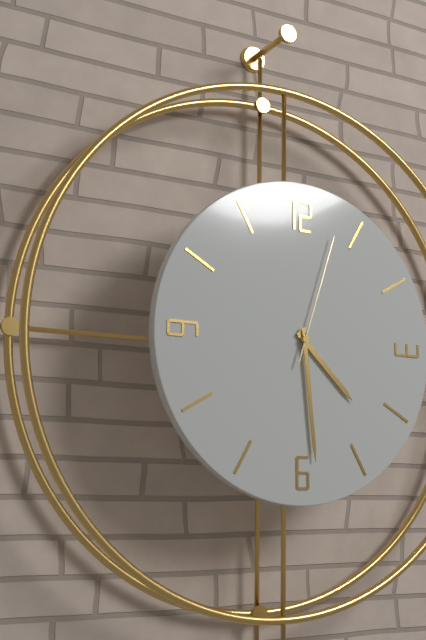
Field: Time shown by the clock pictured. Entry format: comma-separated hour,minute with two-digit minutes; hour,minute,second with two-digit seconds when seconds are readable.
4,29,03
